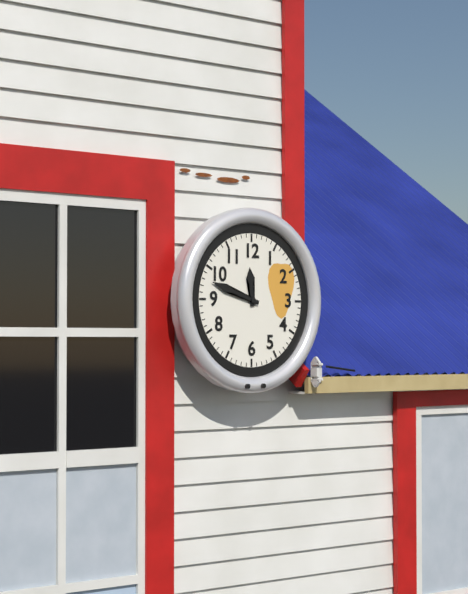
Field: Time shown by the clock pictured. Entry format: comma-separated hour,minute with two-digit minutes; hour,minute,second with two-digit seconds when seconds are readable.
11,48
